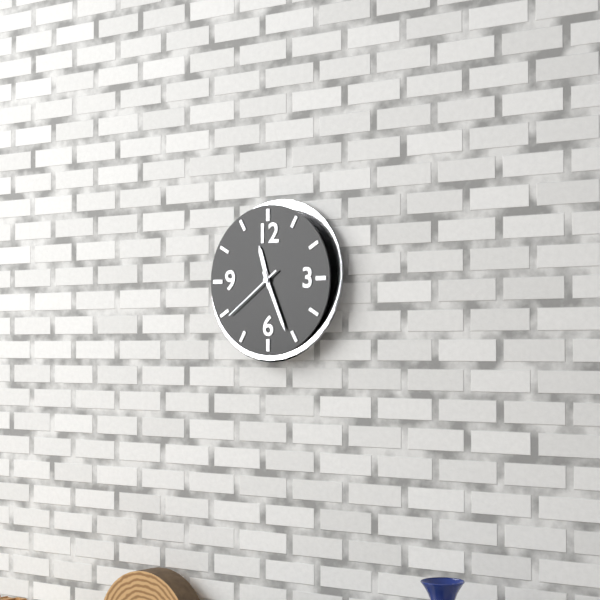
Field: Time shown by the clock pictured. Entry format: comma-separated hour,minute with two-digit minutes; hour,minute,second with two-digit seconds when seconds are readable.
11,26,39
